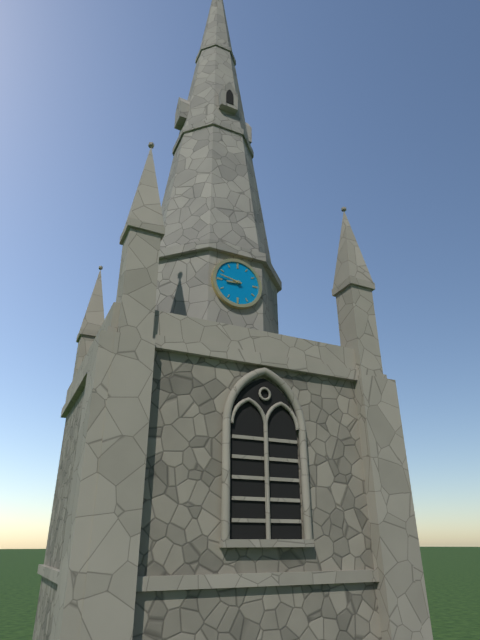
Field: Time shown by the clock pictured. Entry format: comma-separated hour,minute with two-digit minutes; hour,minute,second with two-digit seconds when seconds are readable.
8,47
